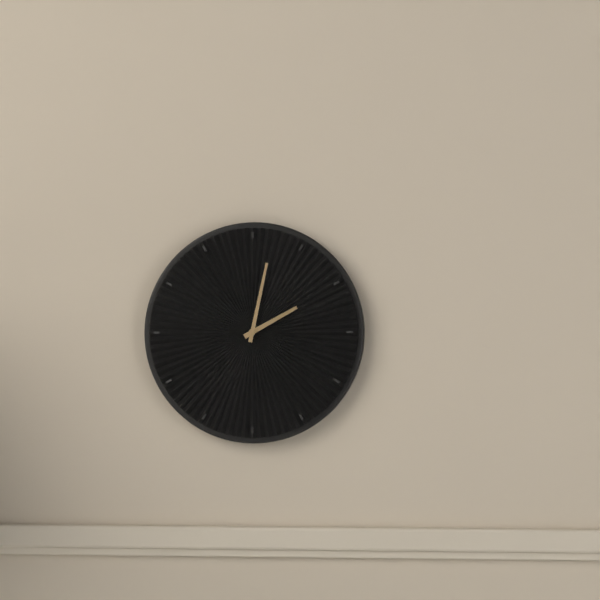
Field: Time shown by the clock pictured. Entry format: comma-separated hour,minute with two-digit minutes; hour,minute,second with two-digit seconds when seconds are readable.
2,02
